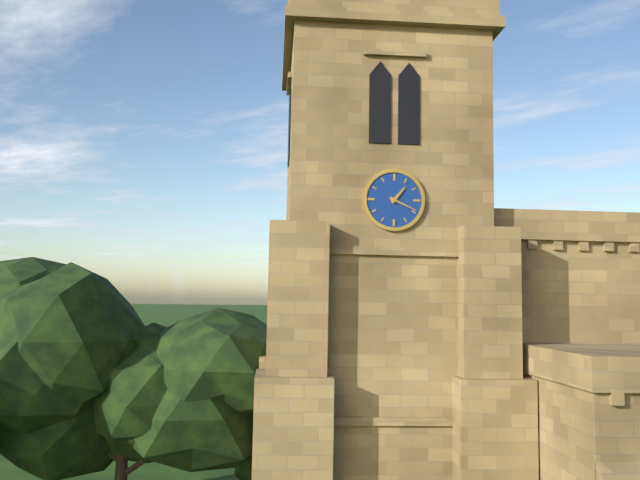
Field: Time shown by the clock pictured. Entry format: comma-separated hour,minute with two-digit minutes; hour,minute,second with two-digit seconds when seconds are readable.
1,19
